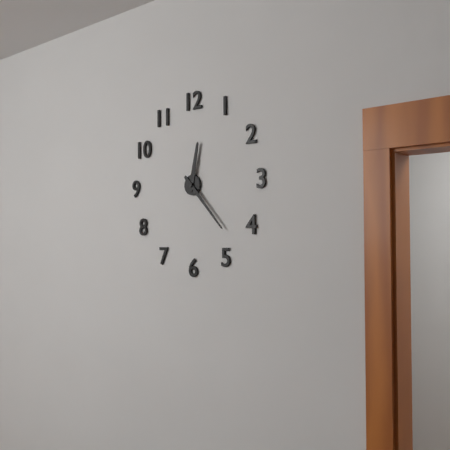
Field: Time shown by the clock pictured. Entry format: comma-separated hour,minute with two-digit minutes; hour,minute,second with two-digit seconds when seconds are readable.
12,23
